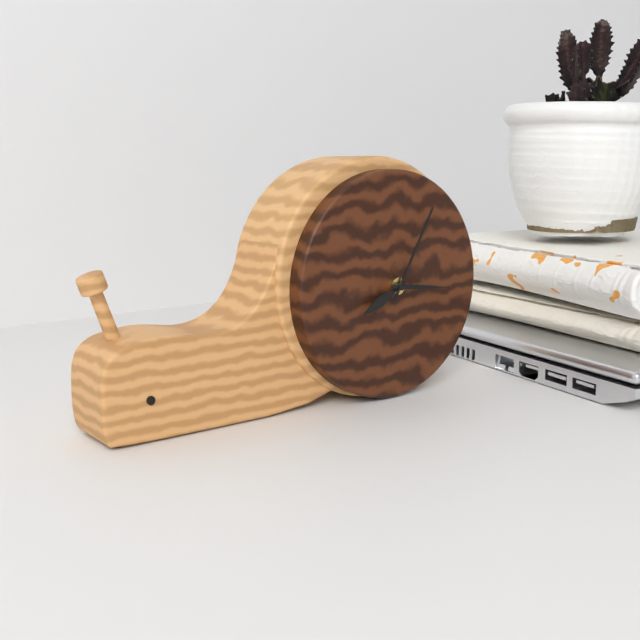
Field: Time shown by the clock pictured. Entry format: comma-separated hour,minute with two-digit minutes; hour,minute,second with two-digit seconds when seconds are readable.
8,05,16
